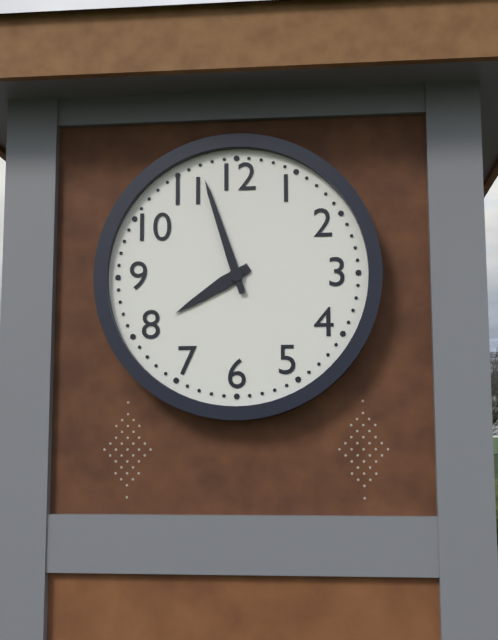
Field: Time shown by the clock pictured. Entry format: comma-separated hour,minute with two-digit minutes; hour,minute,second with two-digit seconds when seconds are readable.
7,57
